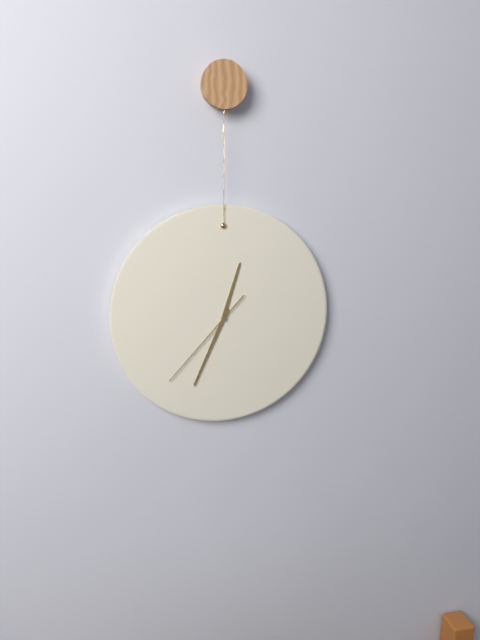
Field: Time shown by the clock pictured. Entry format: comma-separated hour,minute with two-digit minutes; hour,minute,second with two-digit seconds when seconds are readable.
12,34,37
